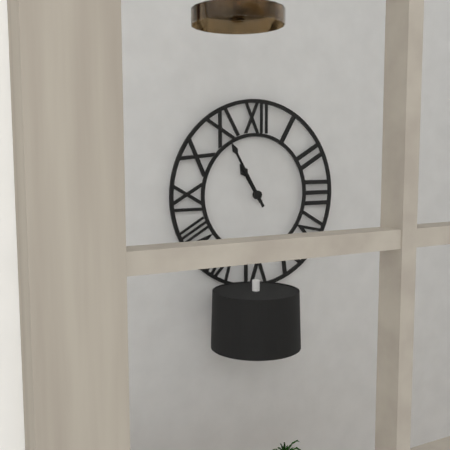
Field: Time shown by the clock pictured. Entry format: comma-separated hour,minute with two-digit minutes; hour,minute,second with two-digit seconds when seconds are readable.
10,55
